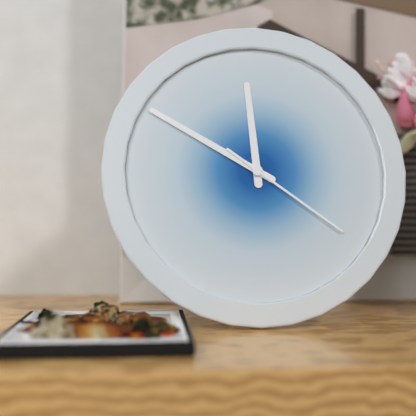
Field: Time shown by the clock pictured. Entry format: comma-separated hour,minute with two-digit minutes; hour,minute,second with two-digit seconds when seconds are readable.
11,50,21
